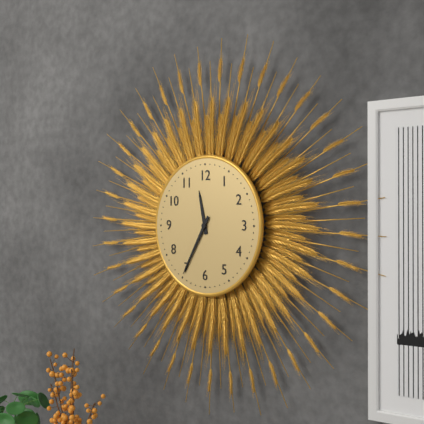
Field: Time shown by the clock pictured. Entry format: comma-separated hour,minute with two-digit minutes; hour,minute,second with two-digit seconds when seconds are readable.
11,35
